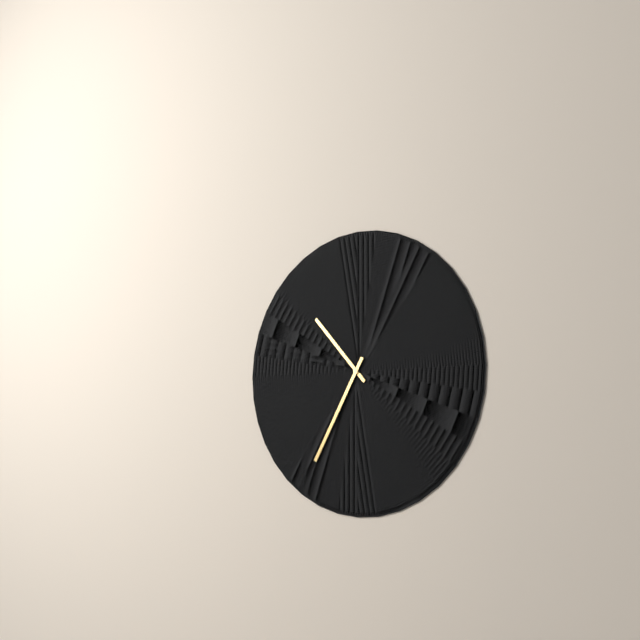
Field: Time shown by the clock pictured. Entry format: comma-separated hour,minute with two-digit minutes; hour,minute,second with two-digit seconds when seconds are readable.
10,35
